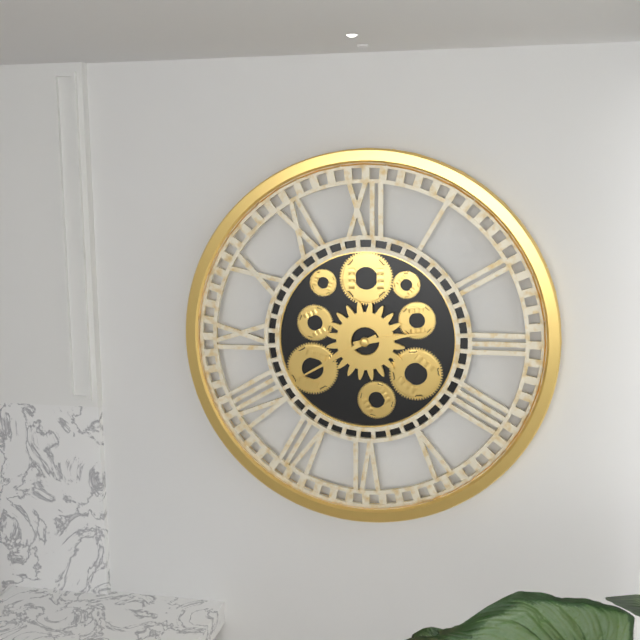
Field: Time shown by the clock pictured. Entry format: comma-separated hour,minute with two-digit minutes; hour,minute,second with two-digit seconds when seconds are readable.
2,40
